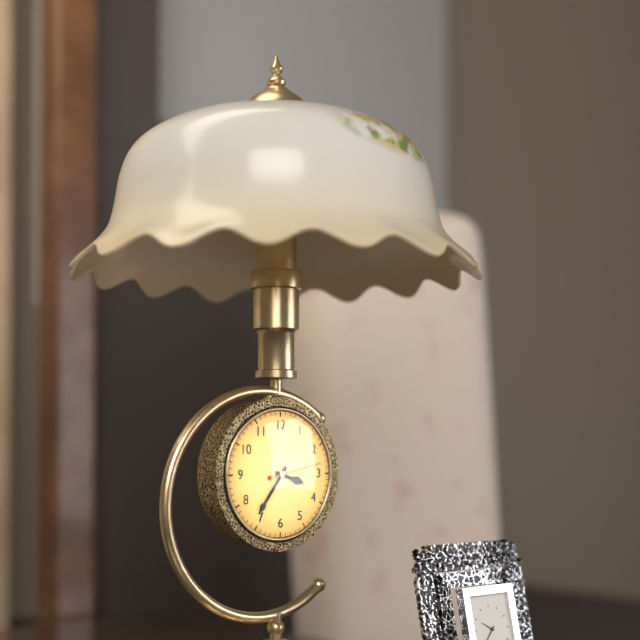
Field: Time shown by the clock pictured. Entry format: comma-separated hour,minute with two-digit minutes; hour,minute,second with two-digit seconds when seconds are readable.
3,36,13
